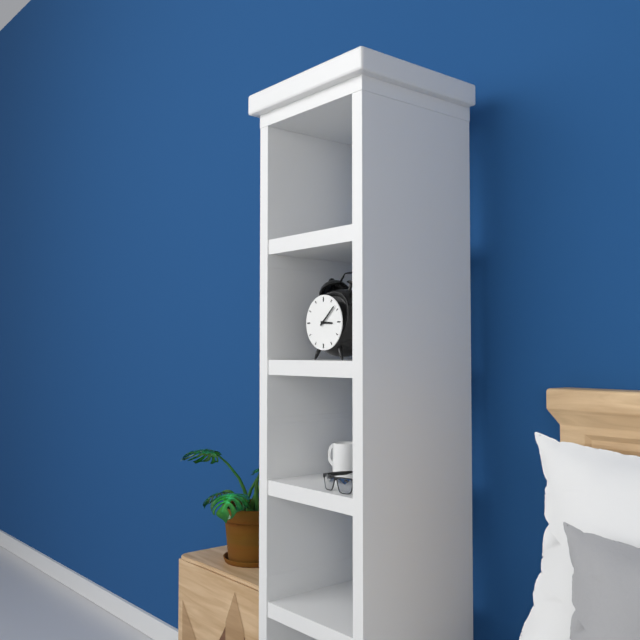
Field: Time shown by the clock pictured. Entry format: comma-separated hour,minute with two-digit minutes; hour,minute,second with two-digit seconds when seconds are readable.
3,08
